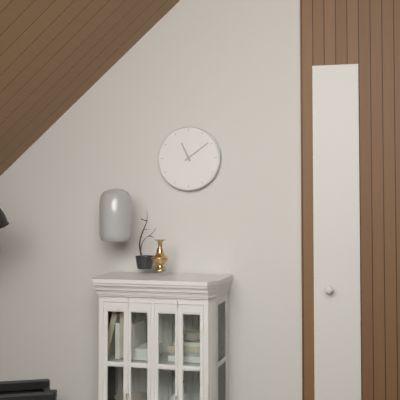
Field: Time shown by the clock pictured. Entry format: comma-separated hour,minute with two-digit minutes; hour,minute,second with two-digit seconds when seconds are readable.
11,09
